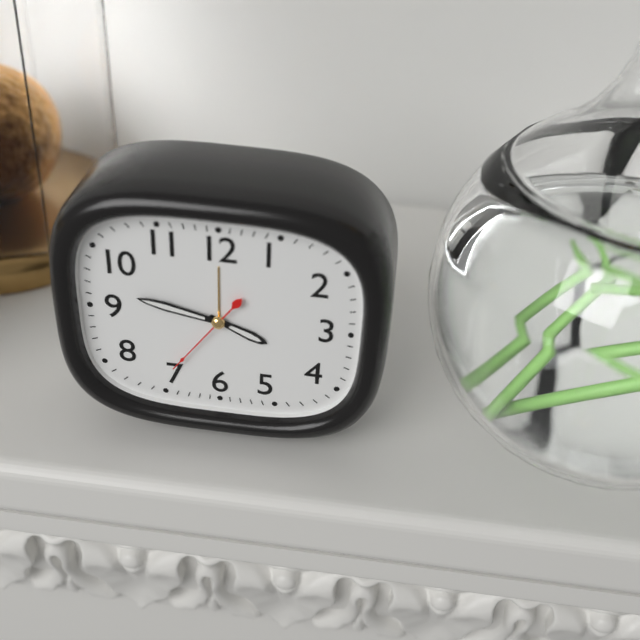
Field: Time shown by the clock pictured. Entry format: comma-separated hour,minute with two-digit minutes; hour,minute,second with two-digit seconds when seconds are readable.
3,47,36
